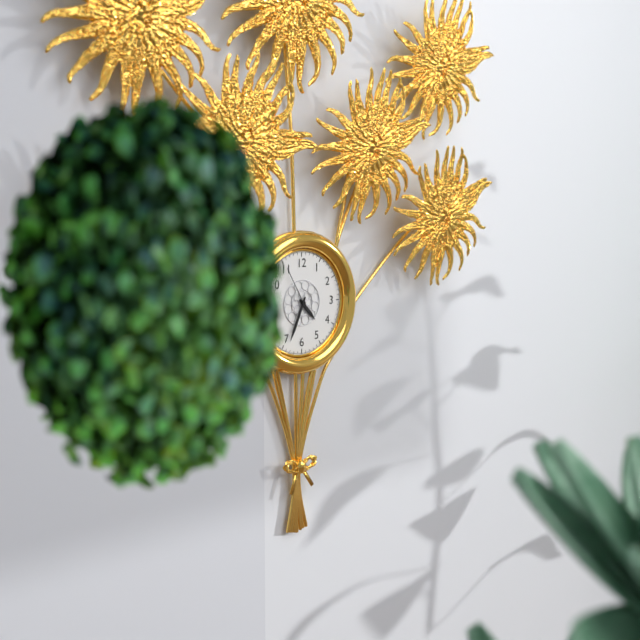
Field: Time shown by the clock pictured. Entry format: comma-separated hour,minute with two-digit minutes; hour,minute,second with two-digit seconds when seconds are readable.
4,34
